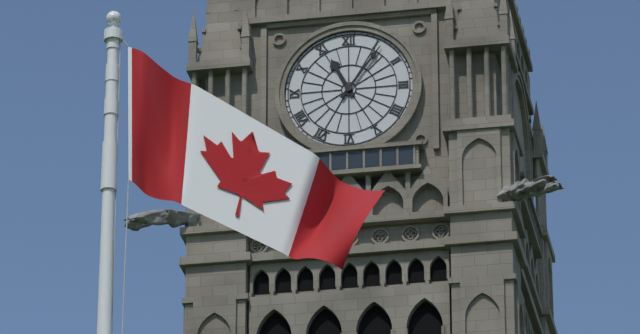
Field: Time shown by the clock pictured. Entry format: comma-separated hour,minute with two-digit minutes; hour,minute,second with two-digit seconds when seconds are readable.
11,06
